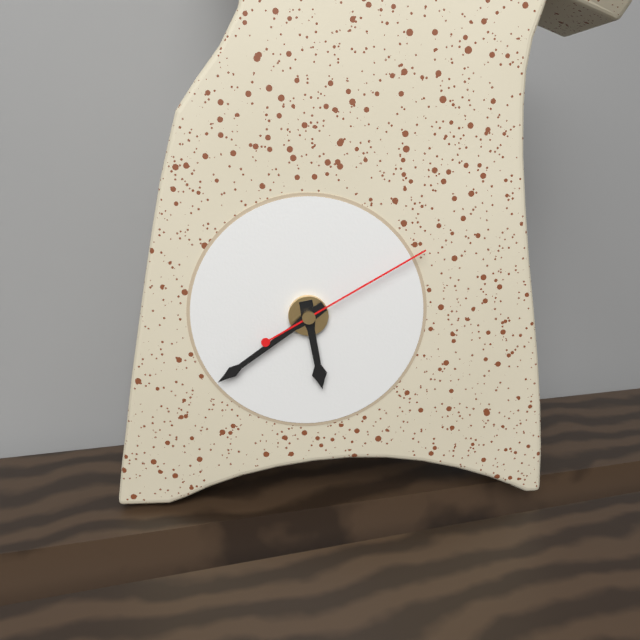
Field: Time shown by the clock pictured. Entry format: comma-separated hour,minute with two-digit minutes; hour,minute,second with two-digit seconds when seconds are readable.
5,39,10
